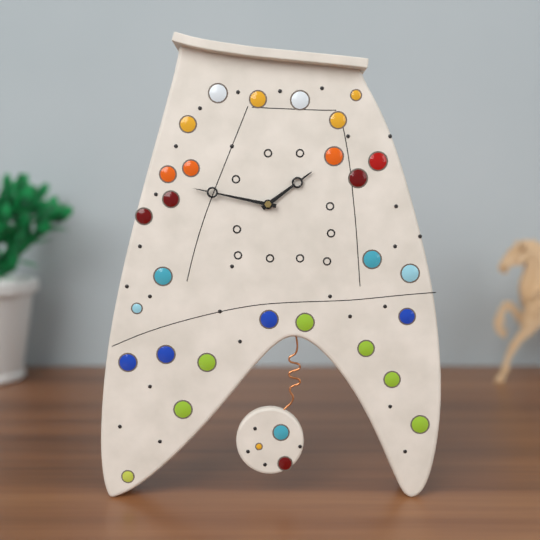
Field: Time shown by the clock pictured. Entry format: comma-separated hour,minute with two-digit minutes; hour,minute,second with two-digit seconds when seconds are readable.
1,47
